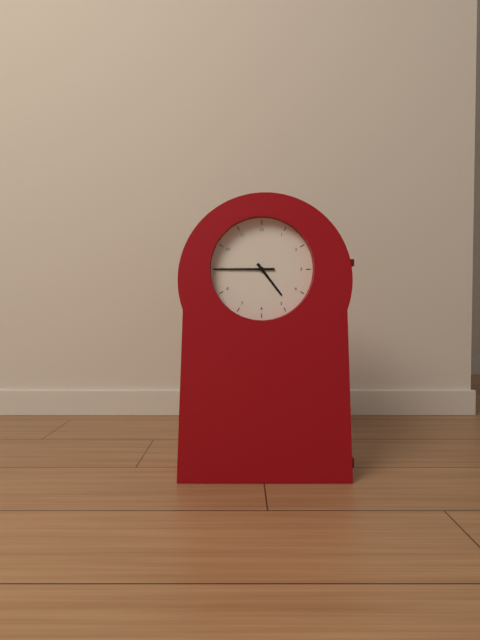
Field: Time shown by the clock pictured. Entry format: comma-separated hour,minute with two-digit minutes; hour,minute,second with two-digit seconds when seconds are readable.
4,45
